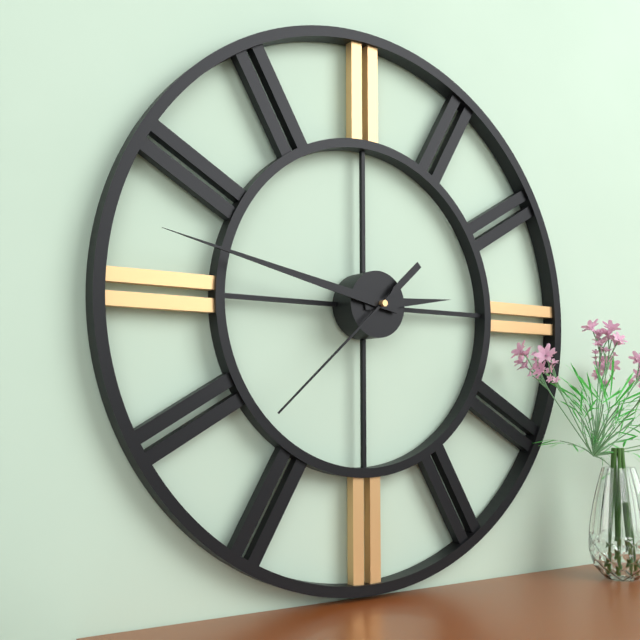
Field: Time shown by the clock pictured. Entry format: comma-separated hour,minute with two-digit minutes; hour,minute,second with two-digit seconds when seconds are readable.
2,47,38
